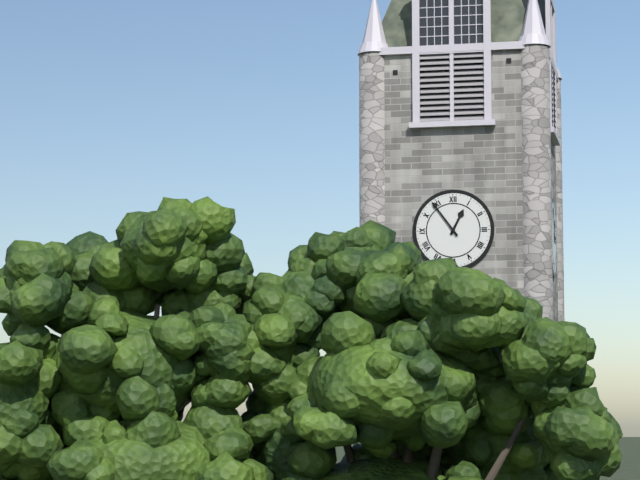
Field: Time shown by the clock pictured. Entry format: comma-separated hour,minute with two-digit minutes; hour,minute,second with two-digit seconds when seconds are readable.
12,54
